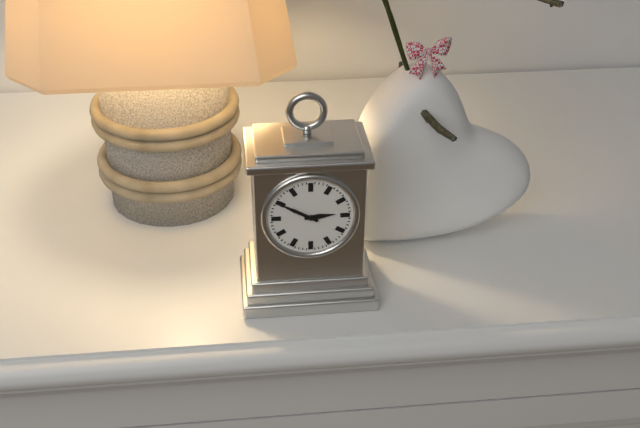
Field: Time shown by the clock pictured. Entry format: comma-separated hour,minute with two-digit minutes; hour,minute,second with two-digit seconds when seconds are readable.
2,50
